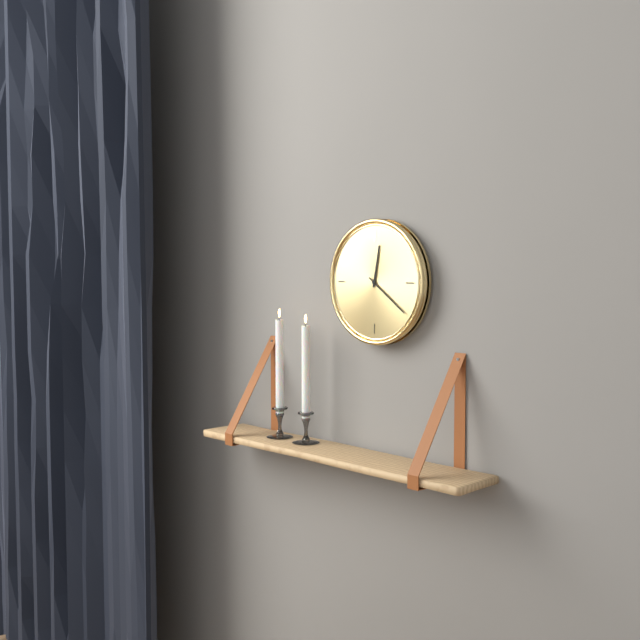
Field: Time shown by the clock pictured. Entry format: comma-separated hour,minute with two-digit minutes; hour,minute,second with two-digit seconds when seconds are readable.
12,21
